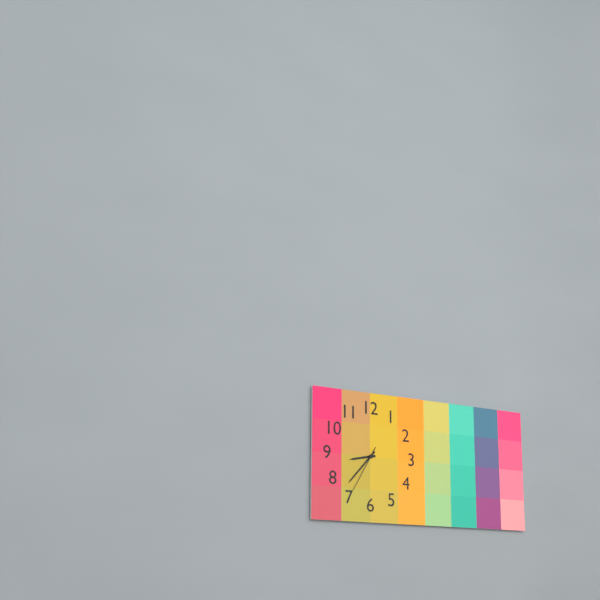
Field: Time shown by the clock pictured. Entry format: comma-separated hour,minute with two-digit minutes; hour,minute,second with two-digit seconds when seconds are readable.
8,37
